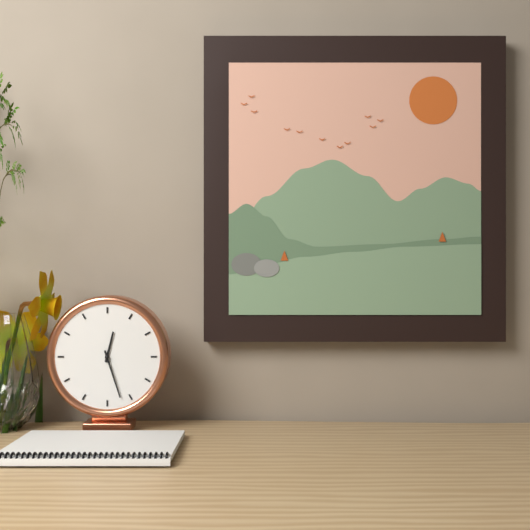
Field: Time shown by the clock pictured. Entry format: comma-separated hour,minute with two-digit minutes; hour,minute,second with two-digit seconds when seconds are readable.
12,27
